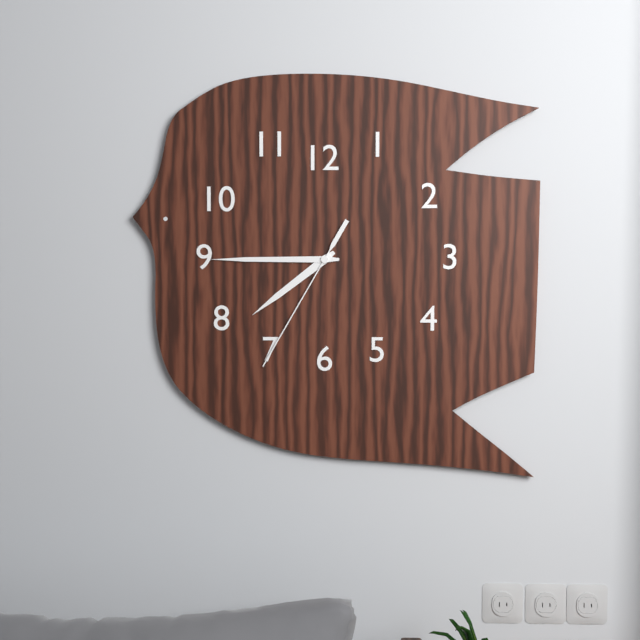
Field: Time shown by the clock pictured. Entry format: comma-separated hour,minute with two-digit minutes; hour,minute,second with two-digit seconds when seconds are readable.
7,45,35
